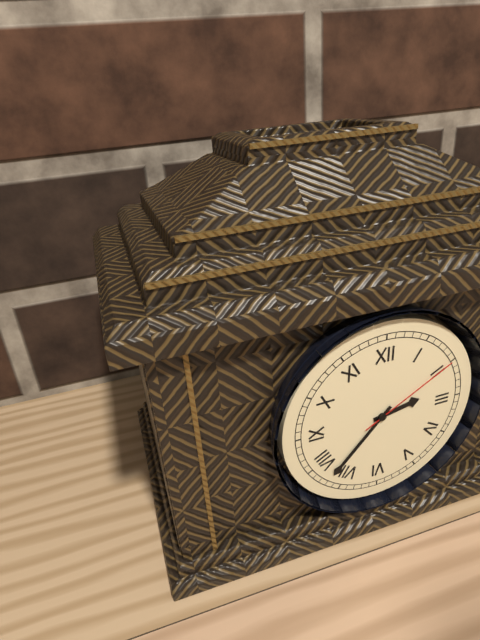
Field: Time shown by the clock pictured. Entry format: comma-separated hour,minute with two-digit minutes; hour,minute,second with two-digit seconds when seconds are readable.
2,37,10
